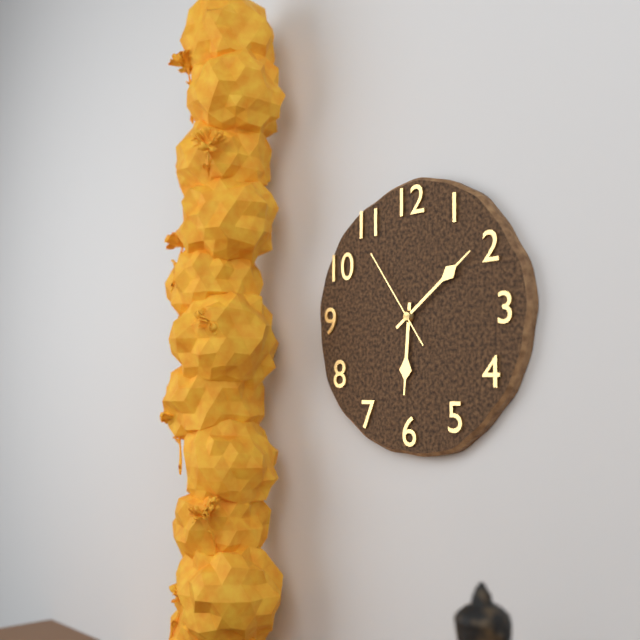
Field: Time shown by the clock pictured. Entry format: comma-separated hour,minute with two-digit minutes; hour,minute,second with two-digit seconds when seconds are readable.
6,09,54
